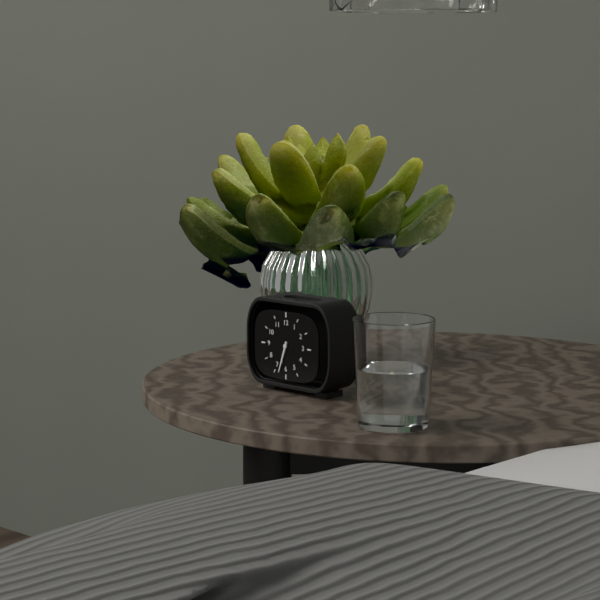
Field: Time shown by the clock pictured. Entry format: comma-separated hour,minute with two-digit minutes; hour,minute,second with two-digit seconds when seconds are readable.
6,33
